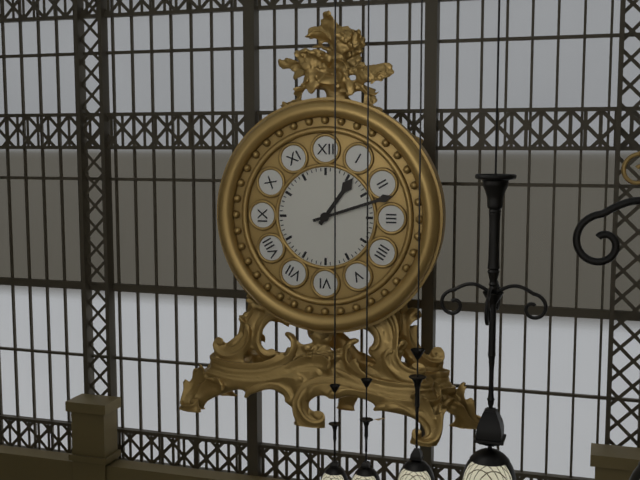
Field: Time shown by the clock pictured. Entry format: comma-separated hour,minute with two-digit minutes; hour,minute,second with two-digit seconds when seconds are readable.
1,12
